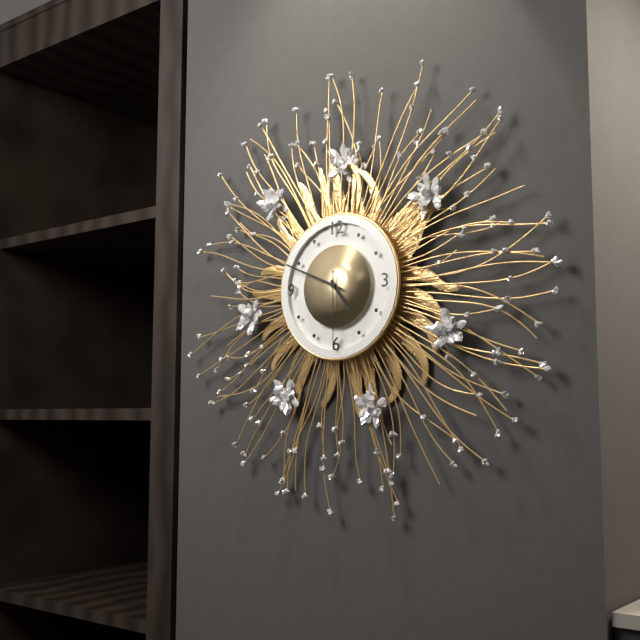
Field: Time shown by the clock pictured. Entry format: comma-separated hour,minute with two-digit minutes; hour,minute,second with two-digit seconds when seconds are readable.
4,49,30
